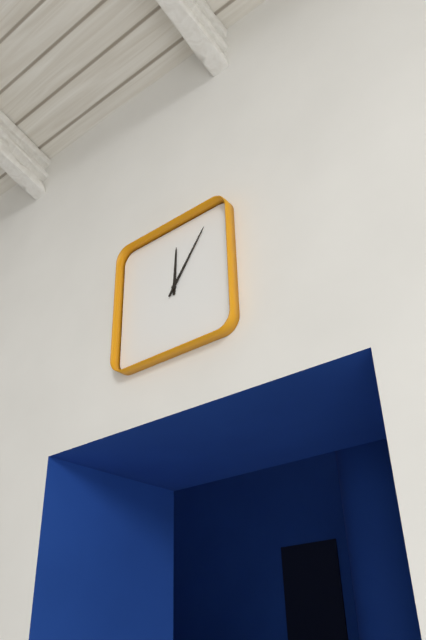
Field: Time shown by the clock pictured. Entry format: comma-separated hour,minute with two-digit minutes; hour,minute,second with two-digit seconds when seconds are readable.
12,06
